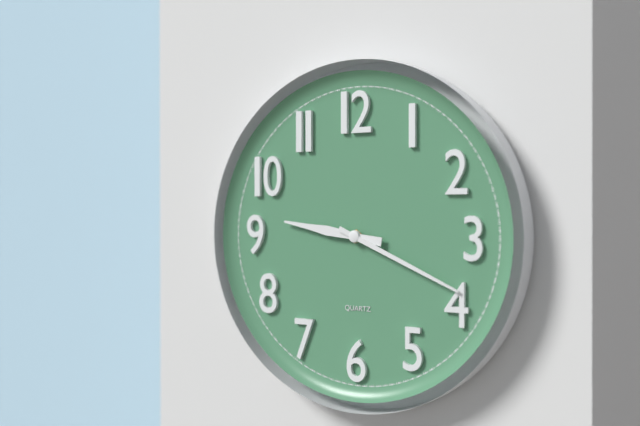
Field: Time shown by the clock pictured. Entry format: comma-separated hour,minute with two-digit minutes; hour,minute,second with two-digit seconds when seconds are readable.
9,19
